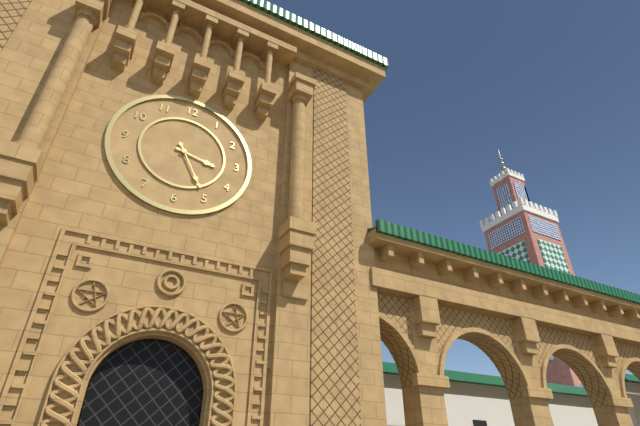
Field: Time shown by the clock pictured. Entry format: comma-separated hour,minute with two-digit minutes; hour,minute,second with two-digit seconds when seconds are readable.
3,25
